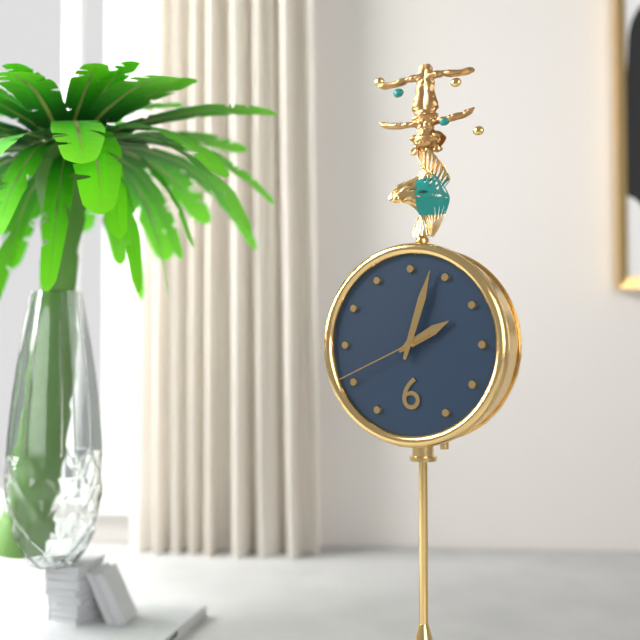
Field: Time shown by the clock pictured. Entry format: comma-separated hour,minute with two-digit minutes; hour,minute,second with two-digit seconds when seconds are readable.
2,03,41
